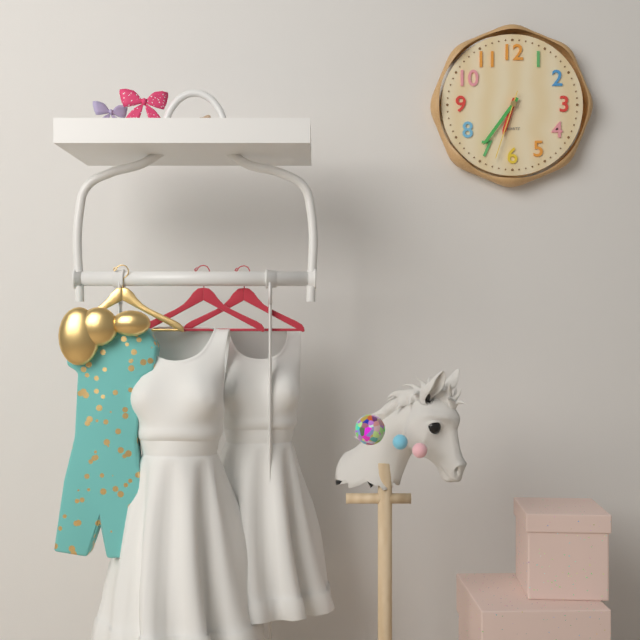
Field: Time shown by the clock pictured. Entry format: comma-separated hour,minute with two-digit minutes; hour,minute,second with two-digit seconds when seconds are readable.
6,36,33
